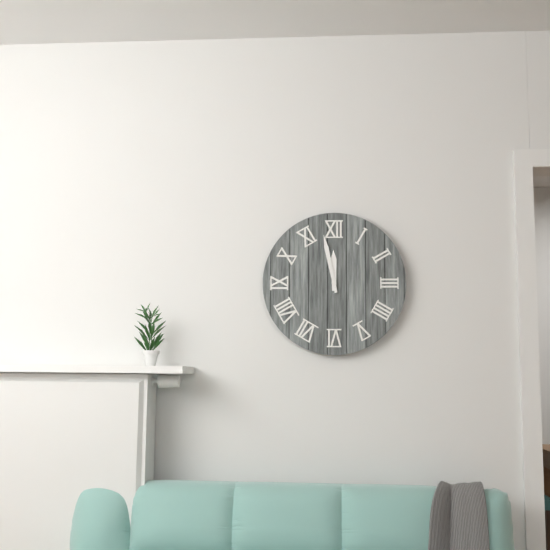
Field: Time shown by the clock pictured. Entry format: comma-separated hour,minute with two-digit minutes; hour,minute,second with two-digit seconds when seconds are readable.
11,58
